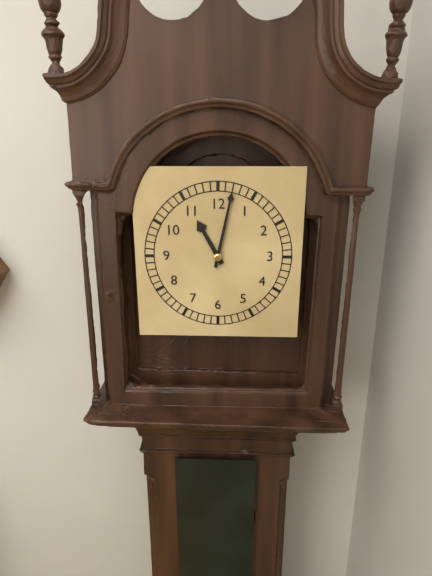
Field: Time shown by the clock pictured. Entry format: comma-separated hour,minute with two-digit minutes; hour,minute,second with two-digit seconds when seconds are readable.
11,02
